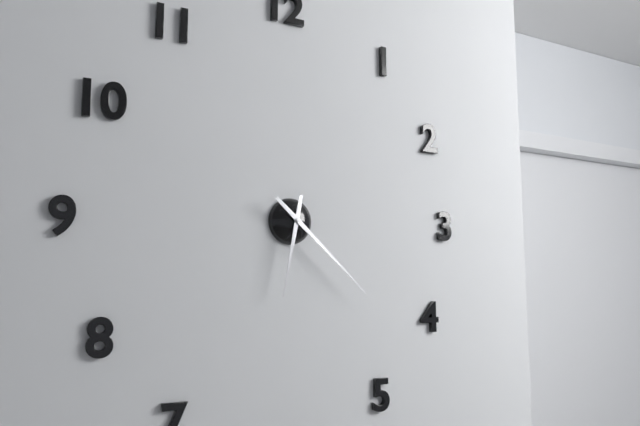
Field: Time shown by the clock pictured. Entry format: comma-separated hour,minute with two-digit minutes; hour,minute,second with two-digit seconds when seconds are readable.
6,22
